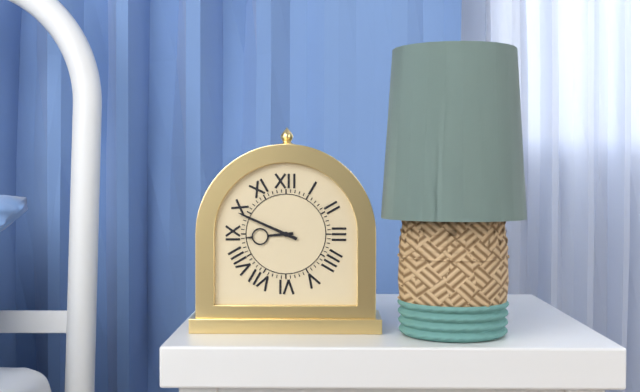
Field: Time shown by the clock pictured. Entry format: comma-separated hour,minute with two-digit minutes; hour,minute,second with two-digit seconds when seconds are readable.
8,49
